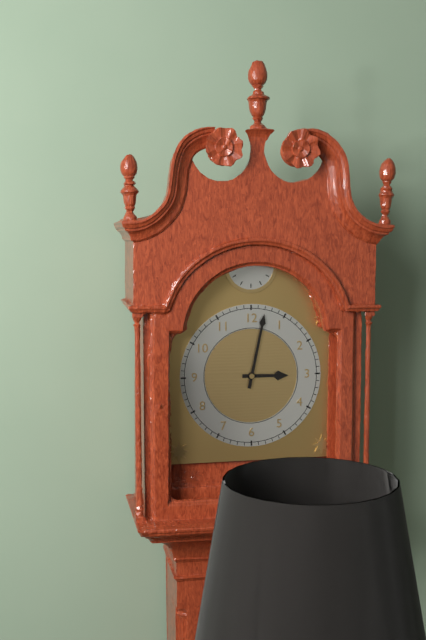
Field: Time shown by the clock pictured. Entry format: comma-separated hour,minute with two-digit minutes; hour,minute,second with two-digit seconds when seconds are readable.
3,02
